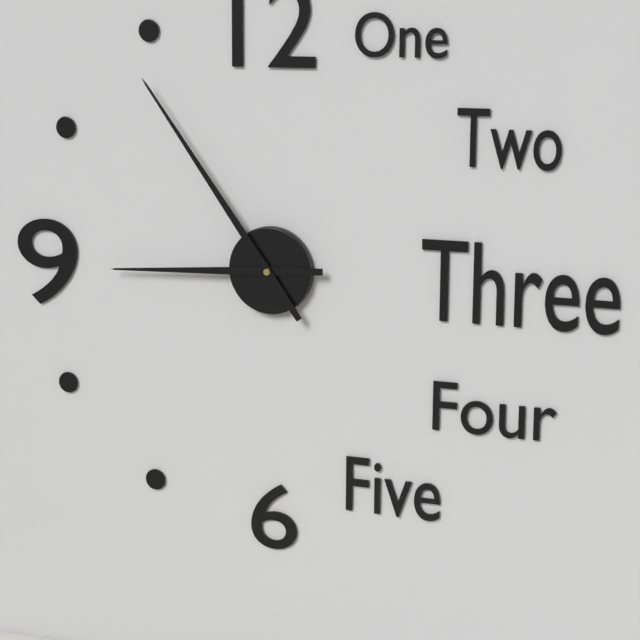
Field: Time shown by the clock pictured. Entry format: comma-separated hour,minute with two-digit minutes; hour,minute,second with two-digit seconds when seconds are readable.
8,54
